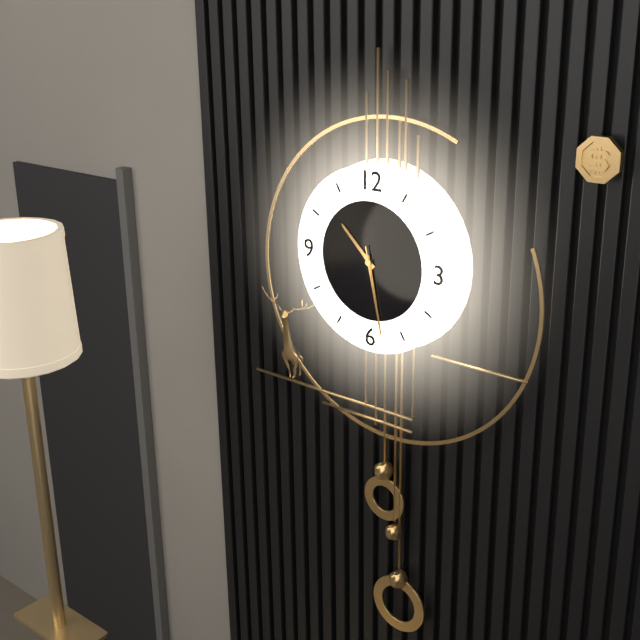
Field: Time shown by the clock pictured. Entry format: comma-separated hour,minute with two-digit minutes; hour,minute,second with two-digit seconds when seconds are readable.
10,28,28
